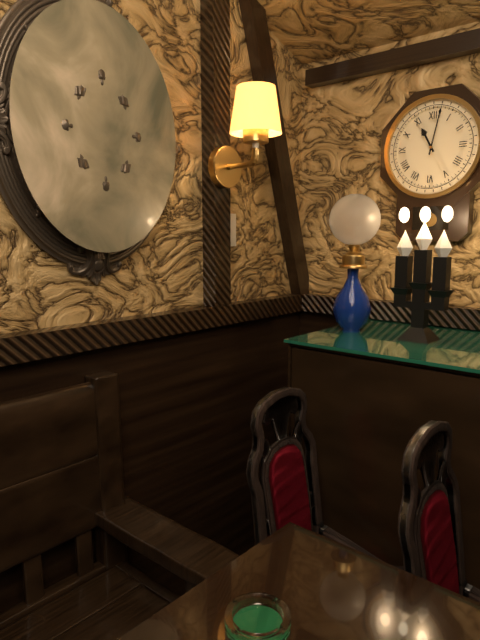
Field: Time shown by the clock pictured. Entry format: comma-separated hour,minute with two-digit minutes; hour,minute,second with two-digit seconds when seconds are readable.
11,02
